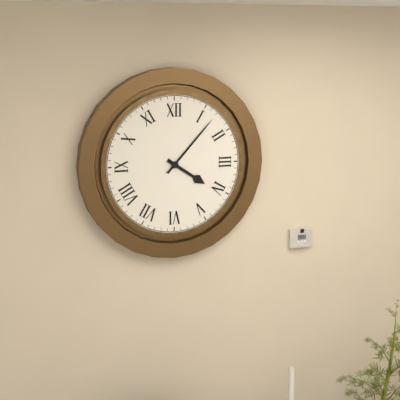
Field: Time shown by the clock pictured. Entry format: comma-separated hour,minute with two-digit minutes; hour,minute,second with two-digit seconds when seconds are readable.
4,07
